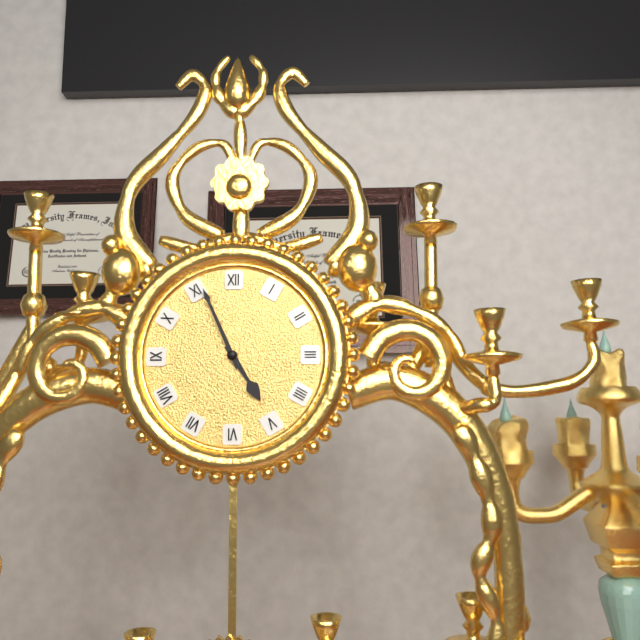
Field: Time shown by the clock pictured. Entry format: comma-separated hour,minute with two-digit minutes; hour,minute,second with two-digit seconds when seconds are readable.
4,56
